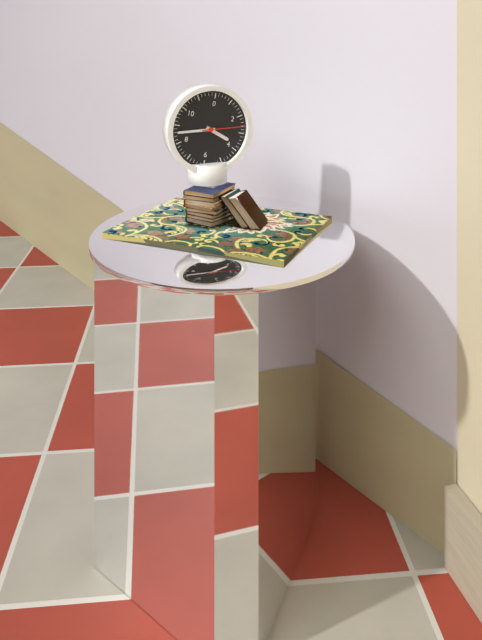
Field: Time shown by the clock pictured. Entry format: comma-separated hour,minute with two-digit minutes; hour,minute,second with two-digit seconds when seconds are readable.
3,43
